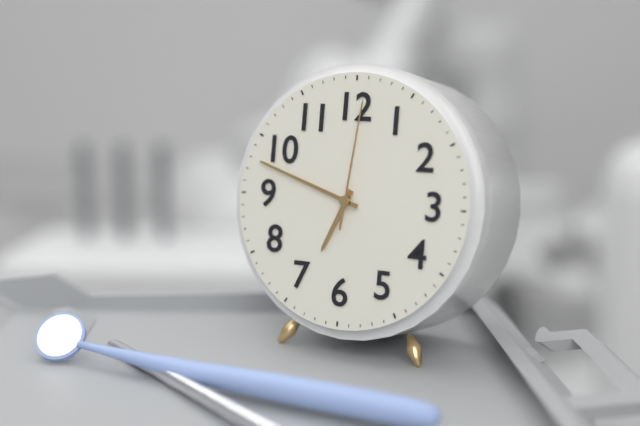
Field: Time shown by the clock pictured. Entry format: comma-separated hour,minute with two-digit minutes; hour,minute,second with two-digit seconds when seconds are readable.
6,48,01
